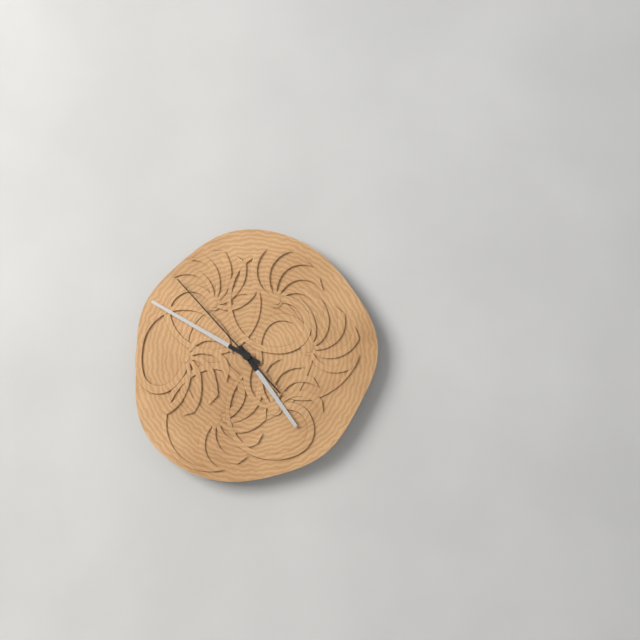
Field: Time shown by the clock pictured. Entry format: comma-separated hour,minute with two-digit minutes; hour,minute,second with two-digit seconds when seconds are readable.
4,50,53
